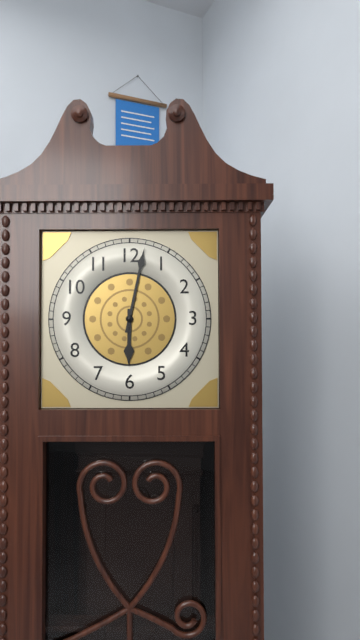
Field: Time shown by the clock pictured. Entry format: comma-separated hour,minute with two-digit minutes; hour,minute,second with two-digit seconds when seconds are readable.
6,02
